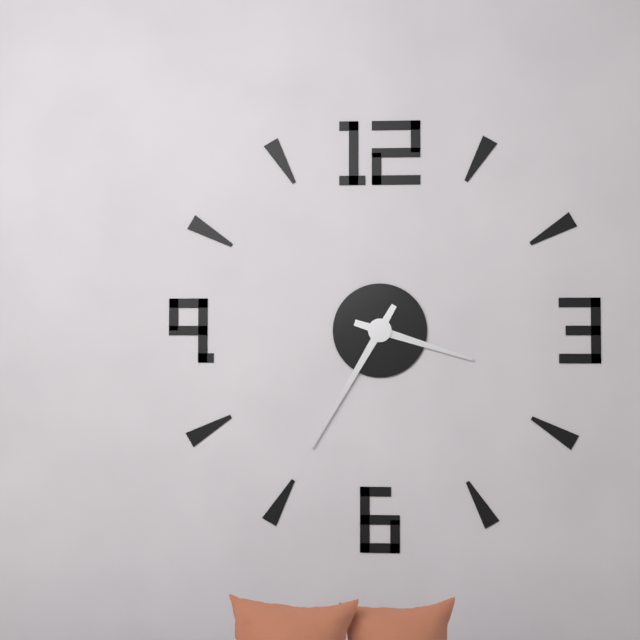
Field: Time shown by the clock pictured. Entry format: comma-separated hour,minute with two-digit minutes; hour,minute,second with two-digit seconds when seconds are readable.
3,35
